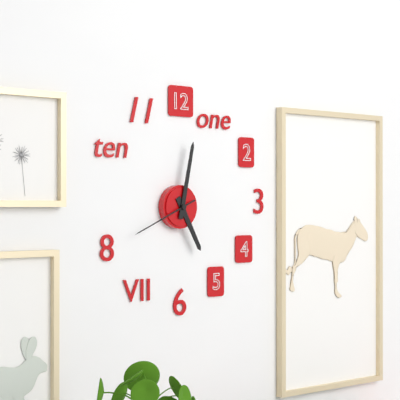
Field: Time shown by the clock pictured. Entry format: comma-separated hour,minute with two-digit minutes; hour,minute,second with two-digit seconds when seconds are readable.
5,02,41
